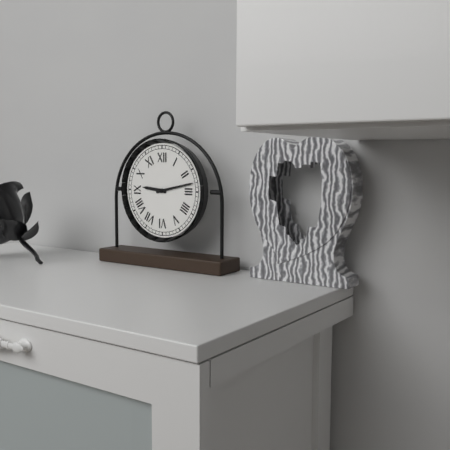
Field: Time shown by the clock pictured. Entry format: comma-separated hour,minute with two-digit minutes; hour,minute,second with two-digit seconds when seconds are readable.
9,13
